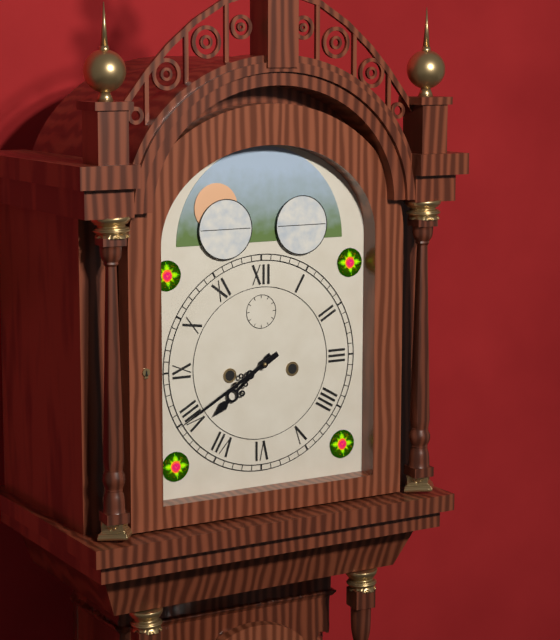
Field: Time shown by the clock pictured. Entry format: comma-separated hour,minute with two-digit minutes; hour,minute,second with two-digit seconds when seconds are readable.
7,40
